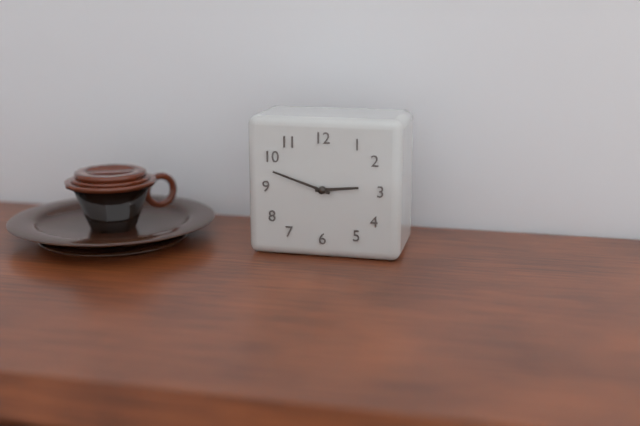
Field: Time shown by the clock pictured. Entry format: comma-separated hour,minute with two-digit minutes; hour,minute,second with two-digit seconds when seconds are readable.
2,48
